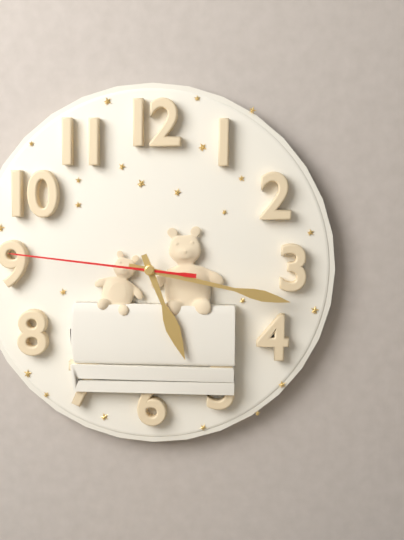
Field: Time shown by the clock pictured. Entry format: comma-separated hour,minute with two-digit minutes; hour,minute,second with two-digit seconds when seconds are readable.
5,17,46
